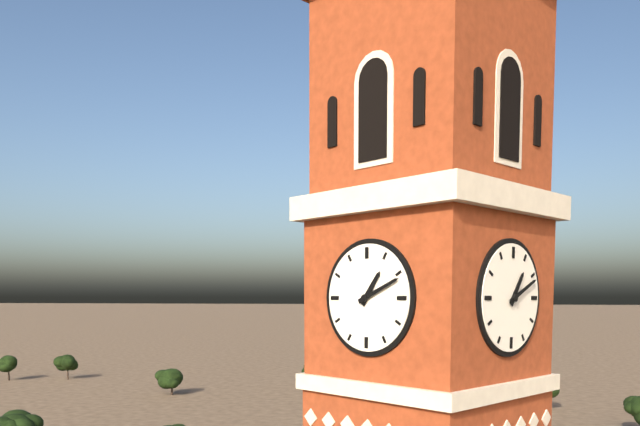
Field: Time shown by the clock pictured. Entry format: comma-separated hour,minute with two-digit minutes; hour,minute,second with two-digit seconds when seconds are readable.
1,11
